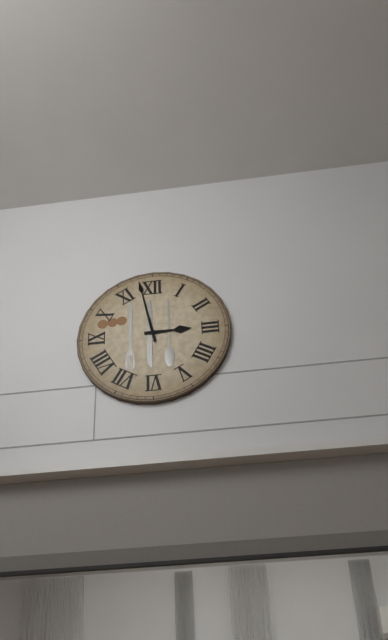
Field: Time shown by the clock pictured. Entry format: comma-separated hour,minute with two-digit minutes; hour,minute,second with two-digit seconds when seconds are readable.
2,58
